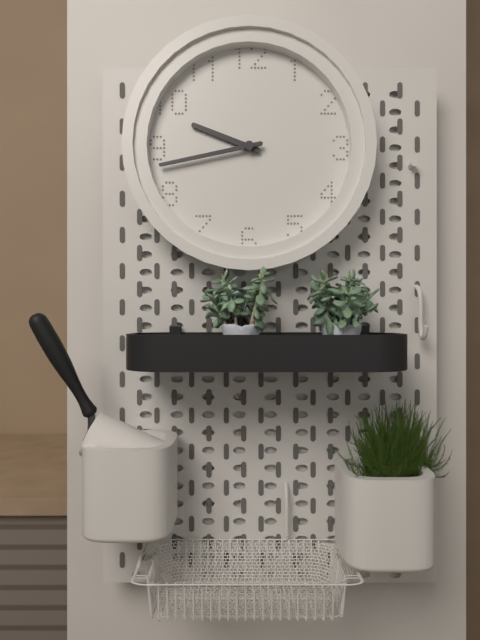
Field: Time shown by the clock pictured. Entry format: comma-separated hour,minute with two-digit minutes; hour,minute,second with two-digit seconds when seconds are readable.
9,43
